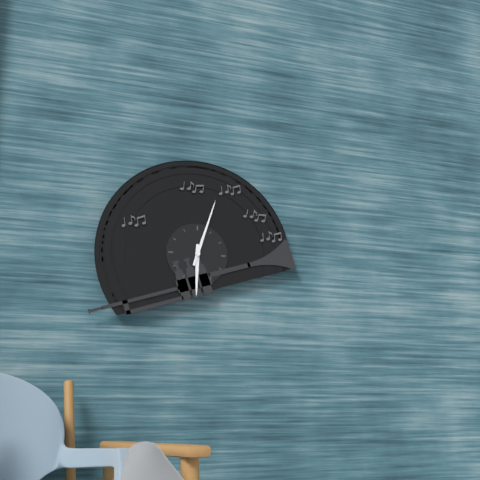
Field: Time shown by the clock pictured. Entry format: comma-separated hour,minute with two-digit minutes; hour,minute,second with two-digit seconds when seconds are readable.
6,03
